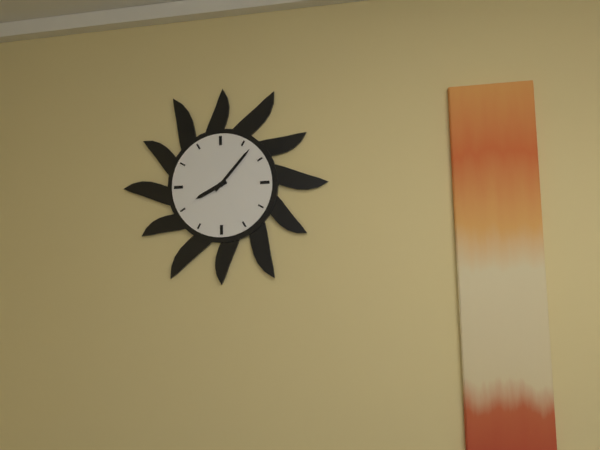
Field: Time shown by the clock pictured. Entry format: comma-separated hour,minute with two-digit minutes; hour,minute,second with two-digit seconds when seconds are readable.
8,07
